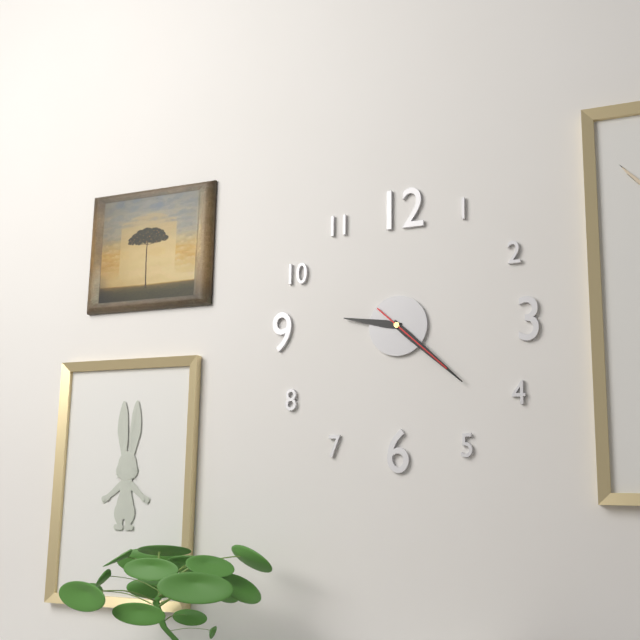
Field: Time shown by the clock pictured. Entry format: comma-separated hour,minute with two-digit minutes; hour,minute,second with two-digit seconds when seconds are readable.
9,22,22
